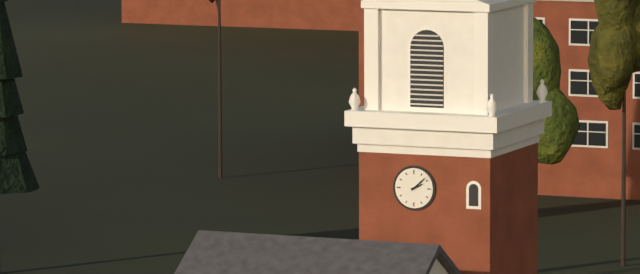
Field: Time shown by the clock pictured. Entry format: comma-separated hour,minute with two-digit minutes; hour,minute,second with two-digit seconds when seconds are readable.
2,08
